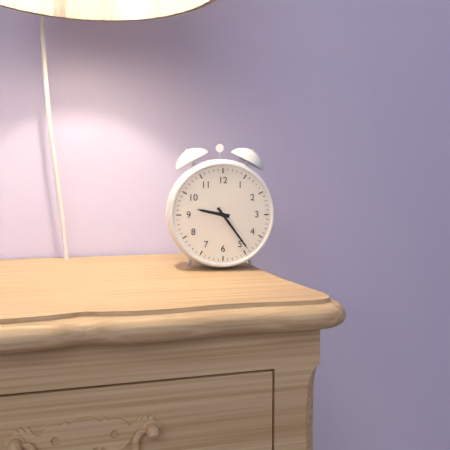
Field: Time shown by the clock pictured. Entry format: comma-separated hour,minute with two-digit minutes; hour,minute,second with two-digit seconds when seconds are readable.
9,24
